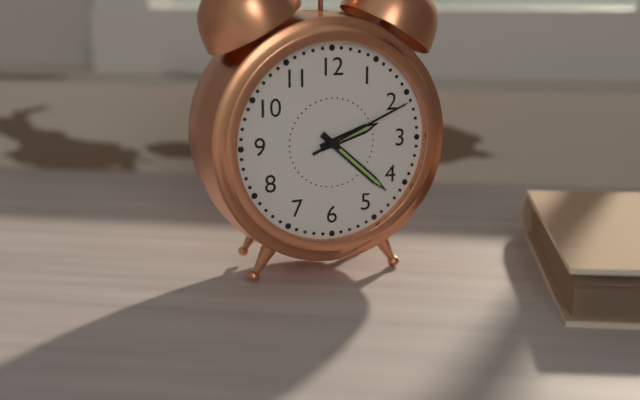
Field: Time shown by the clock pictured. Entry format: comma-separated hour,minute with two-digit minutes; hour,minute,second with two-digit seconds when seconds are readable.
2,22,11
